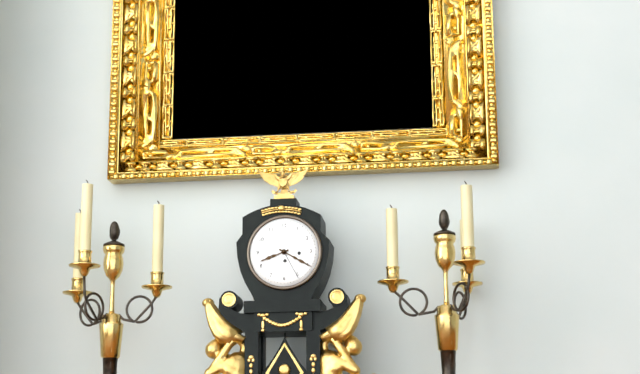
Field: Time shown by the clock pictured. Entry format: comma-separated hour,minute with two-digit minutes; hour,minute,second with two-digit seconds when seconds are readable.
8,20
